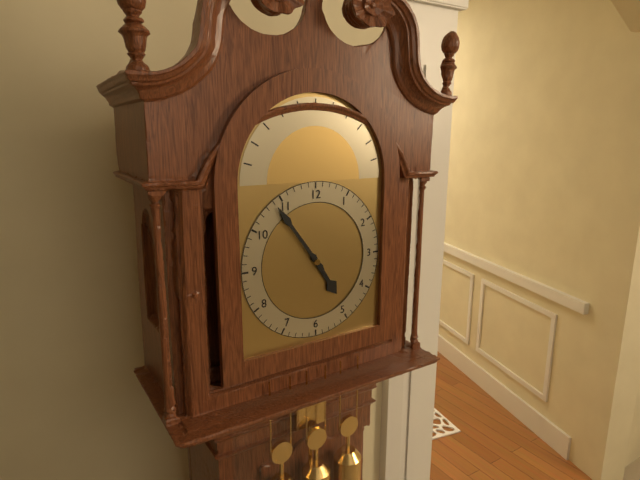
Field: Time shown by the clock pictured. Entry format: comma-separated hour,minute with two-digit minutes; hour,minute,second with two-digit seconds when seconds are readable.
4,54
